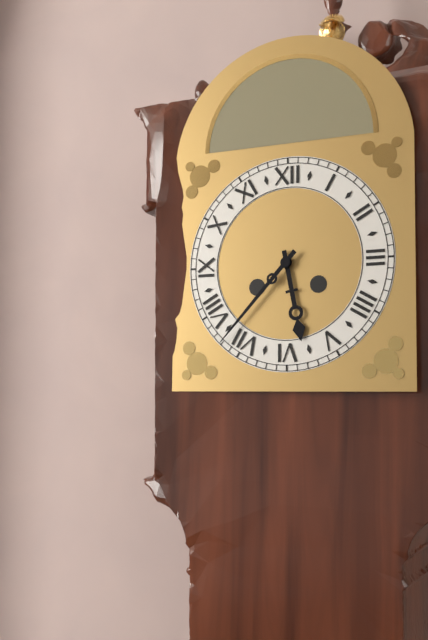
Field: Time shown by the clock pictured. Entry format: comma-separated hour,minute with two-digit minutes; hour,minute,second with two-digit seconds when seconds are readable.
5,37
